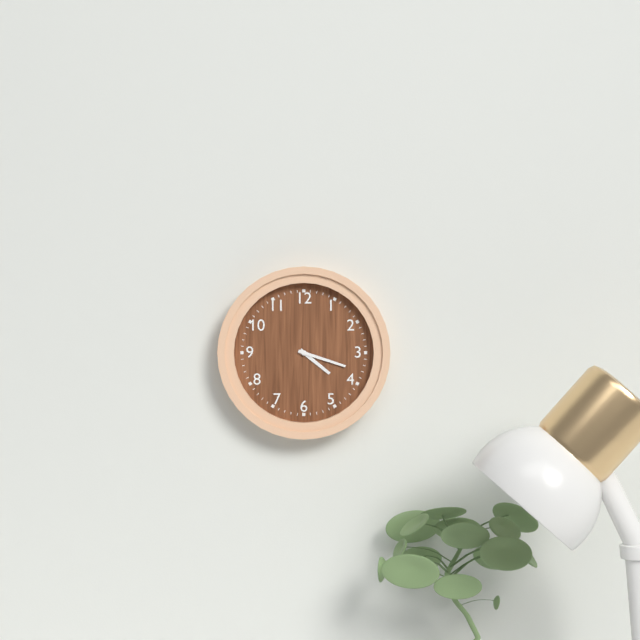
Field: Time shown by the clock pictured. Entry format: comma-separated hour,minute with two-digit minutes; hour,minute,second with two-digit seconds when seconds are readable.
4,18
